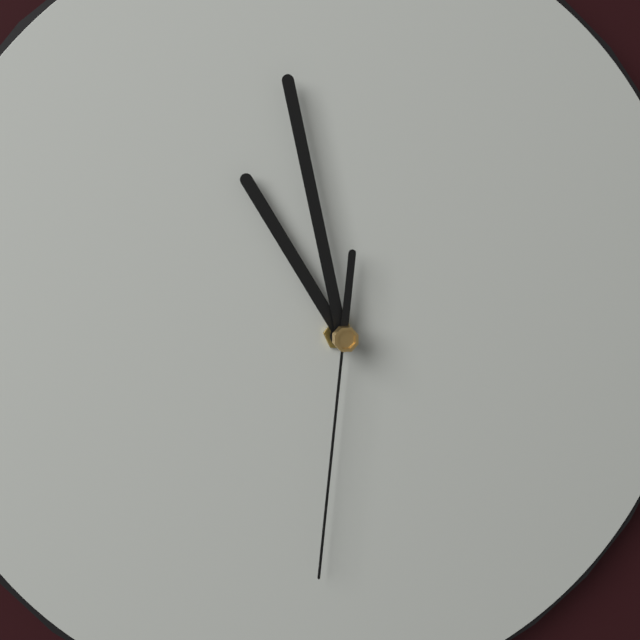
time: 10:58:31
